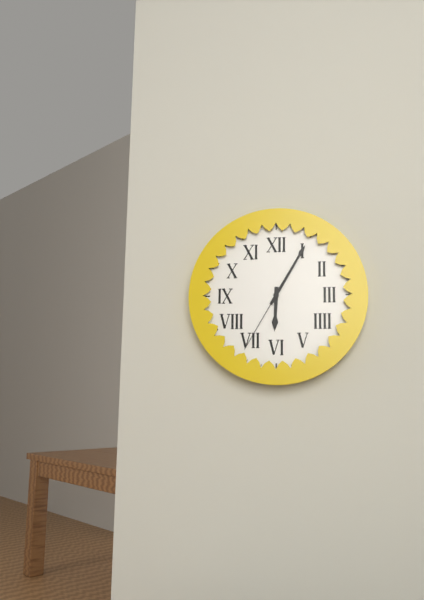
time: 6:05:35
